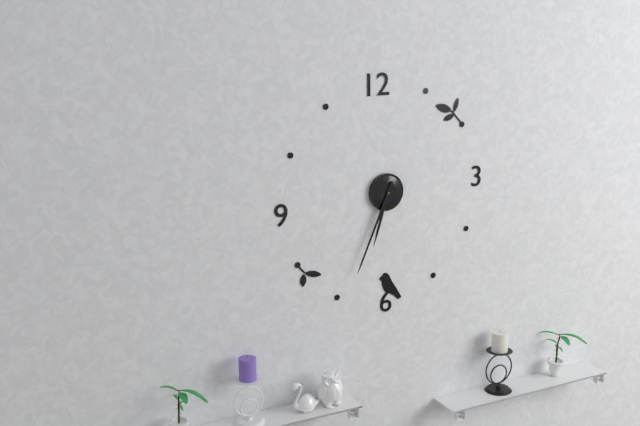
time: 6:34
